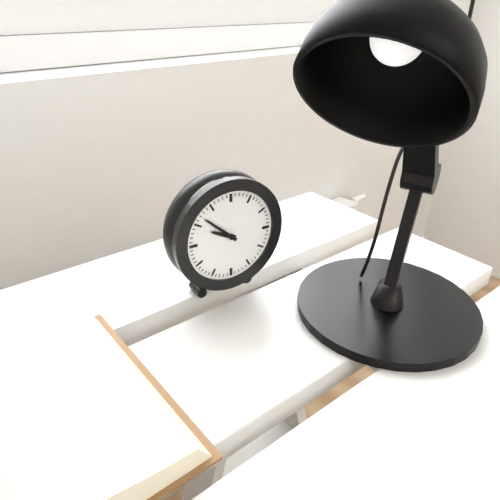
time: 9:52
